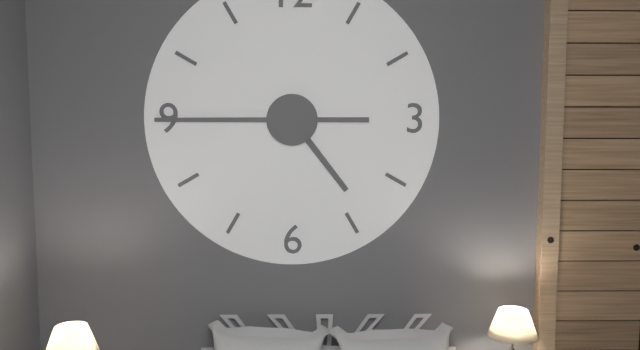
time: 4:45
